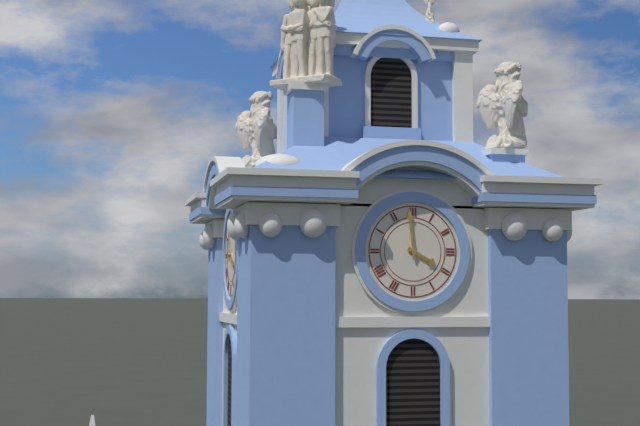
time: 3:59
